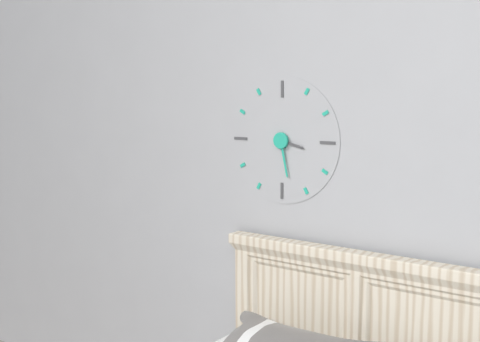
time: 3:28
